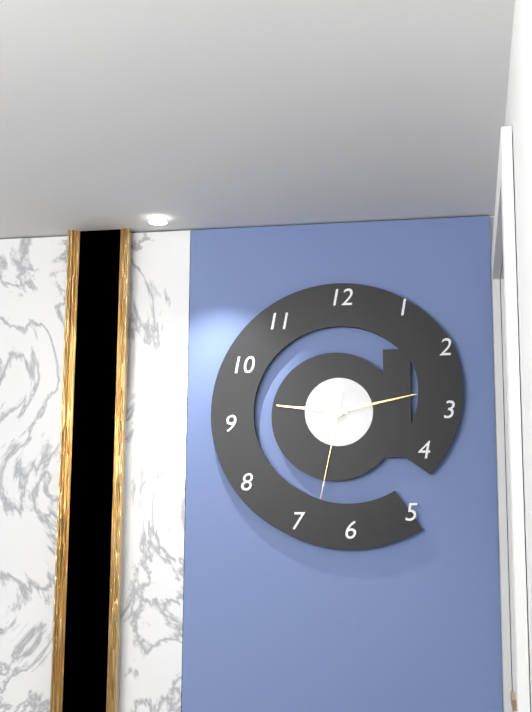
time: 9:13:32
